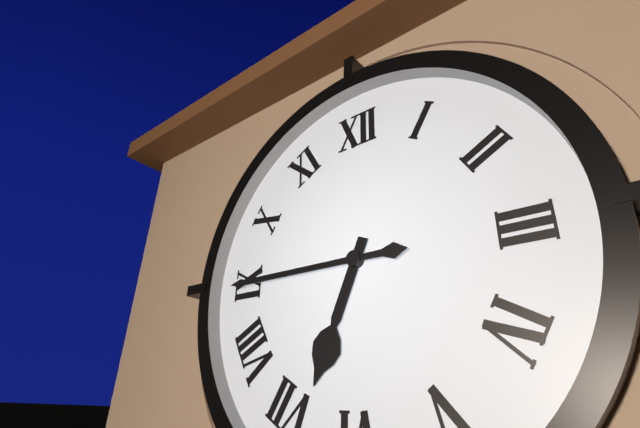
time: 6:45
